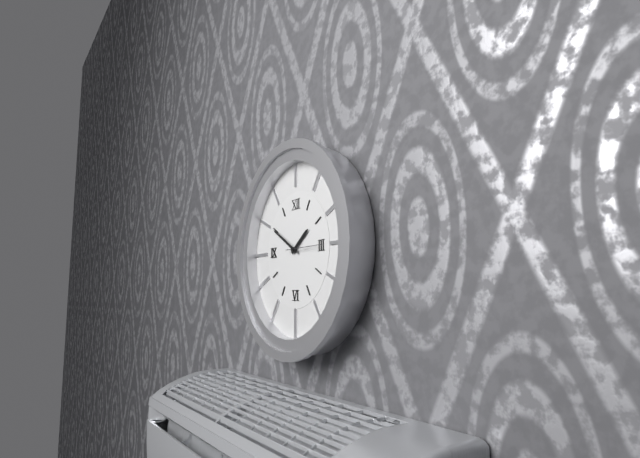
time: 1:50
